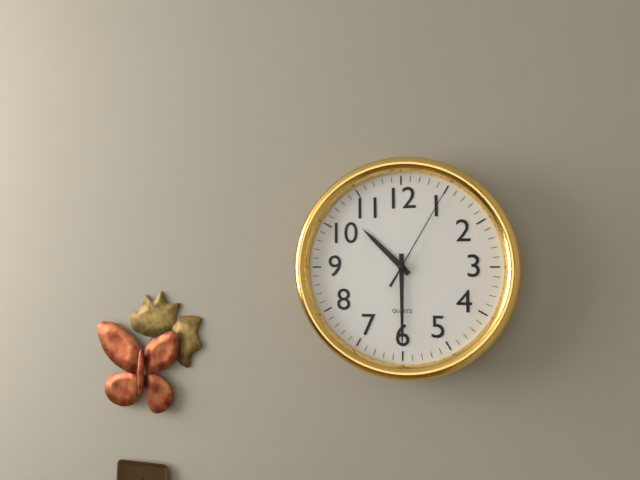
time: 10:30:05
